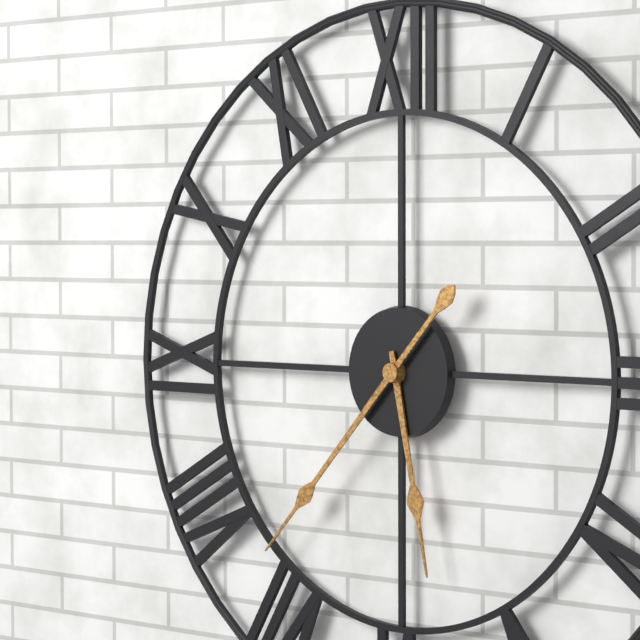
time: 5:37
